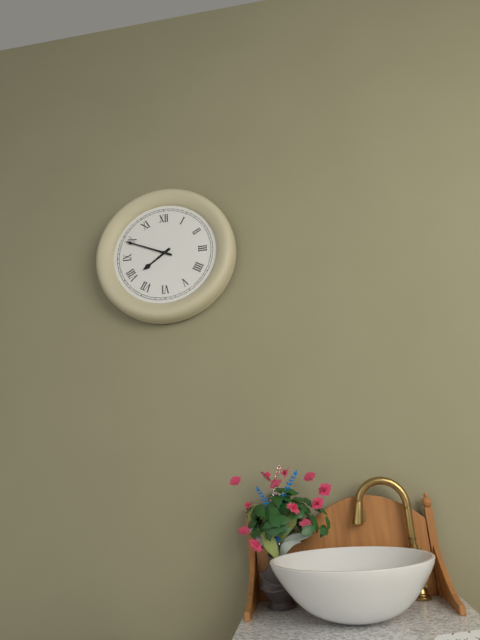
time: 7:49
